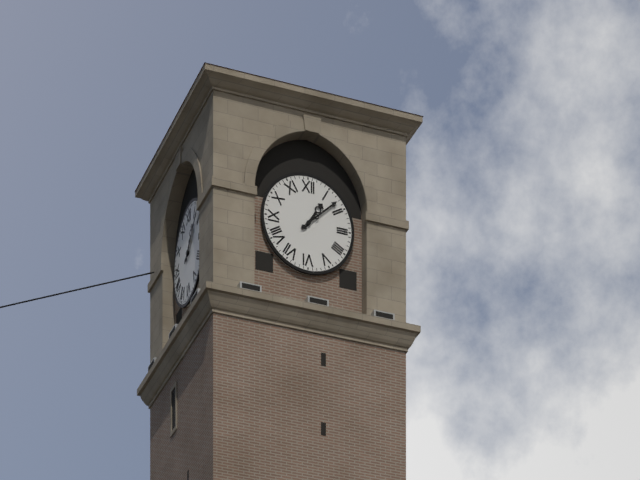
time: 1:08
